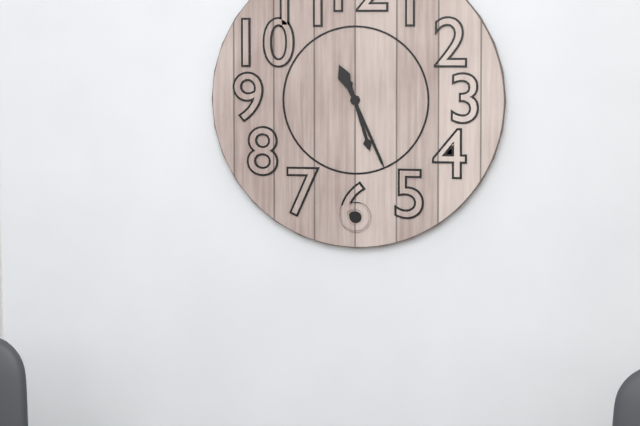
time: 5:26
